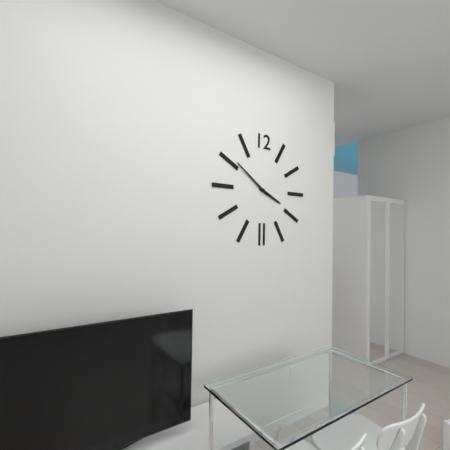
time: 3:51
